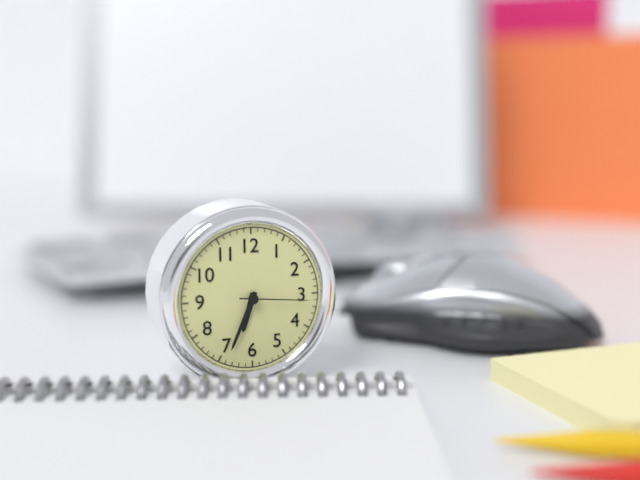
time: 6:34:16
